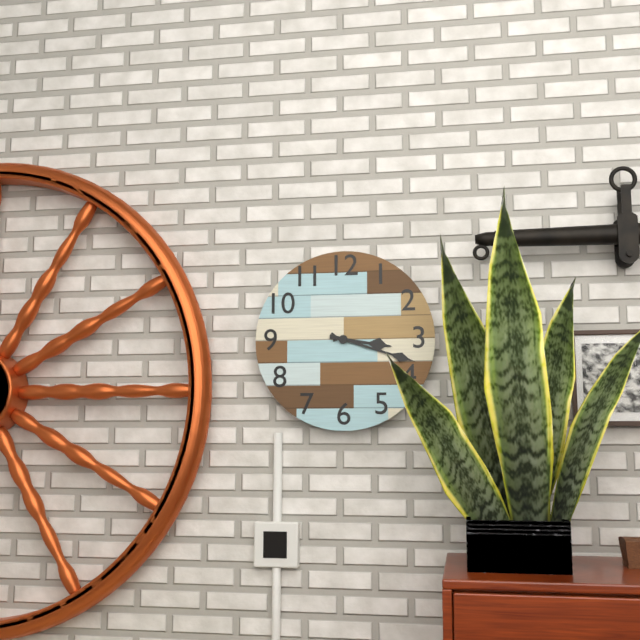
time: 3:18
